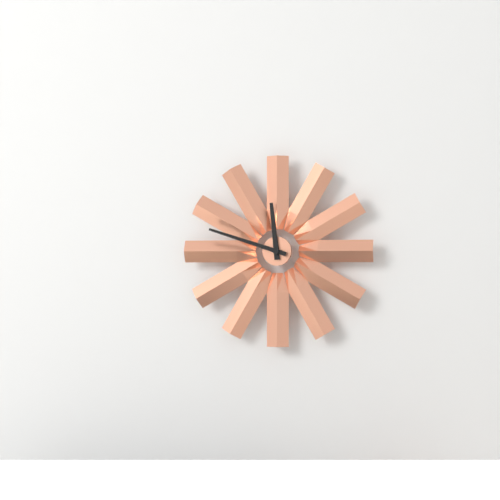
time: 11:48
